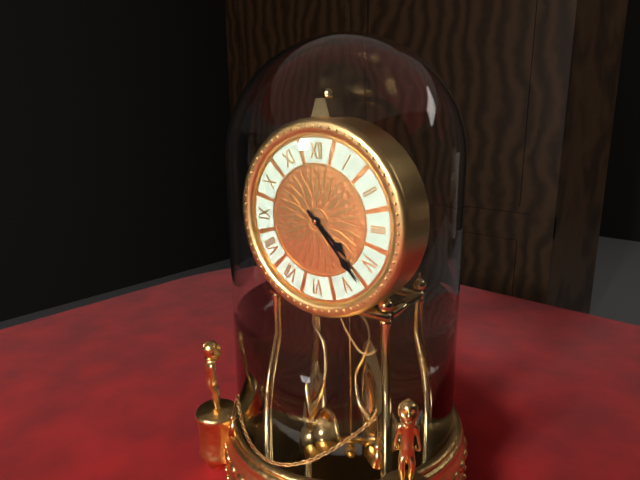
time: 4:23
